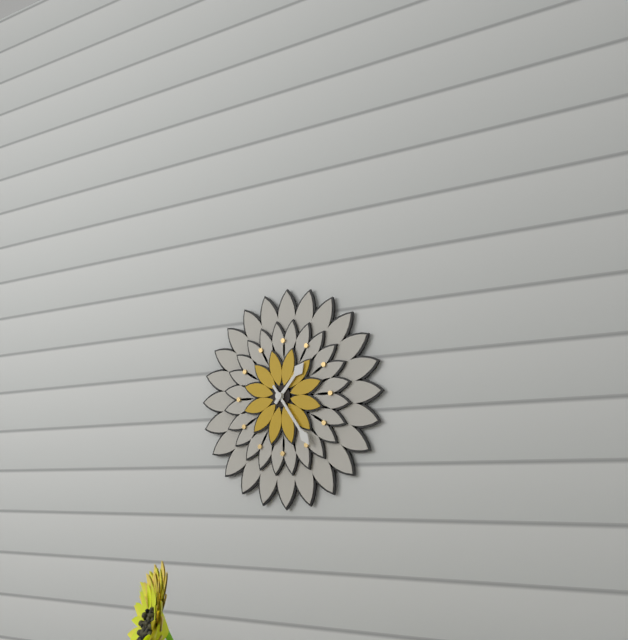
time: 1:24
